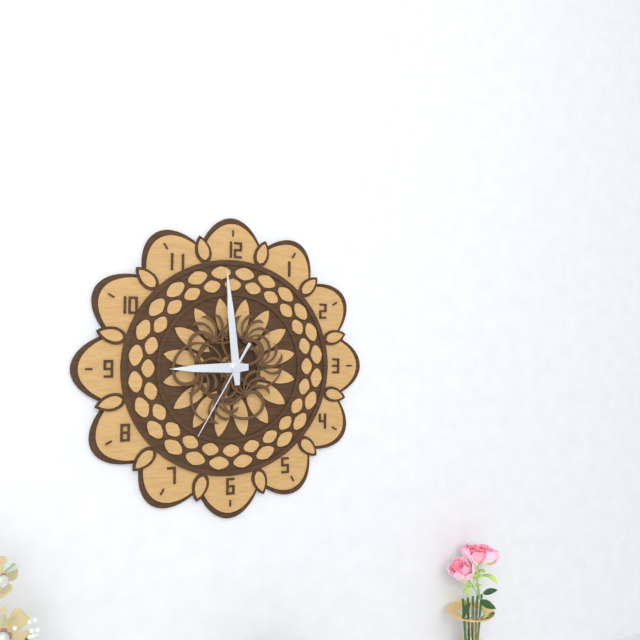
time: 8:59:35
